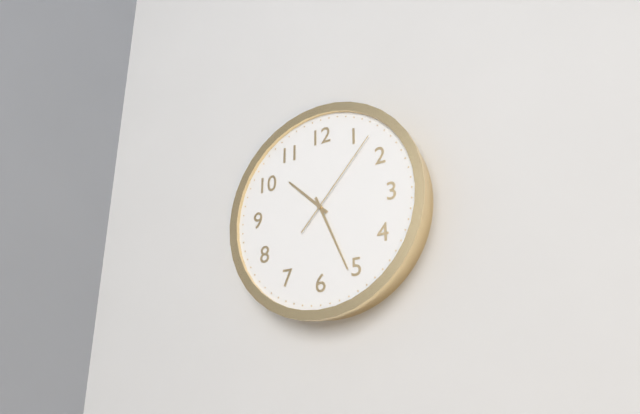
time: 10:26:07
